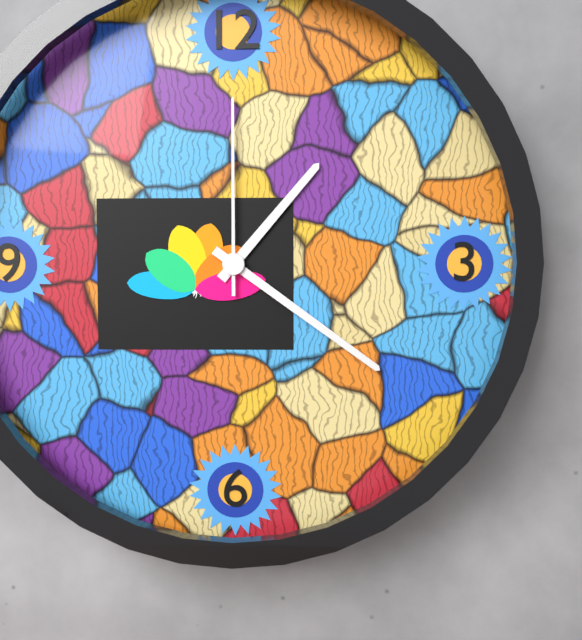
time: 1:21:00
